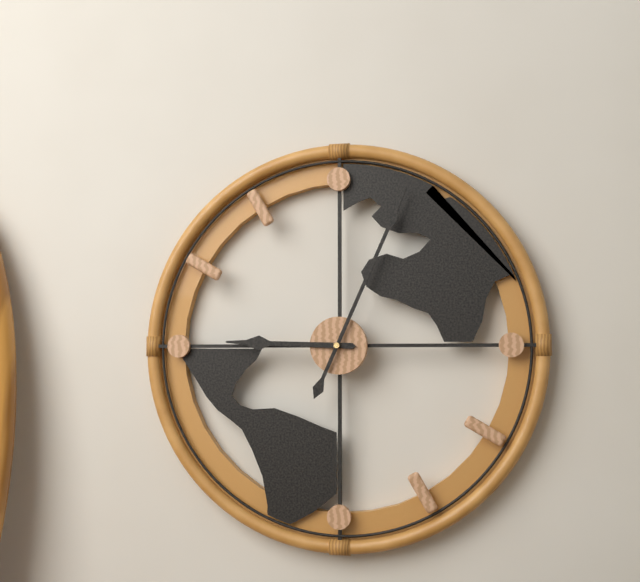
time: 9:04
